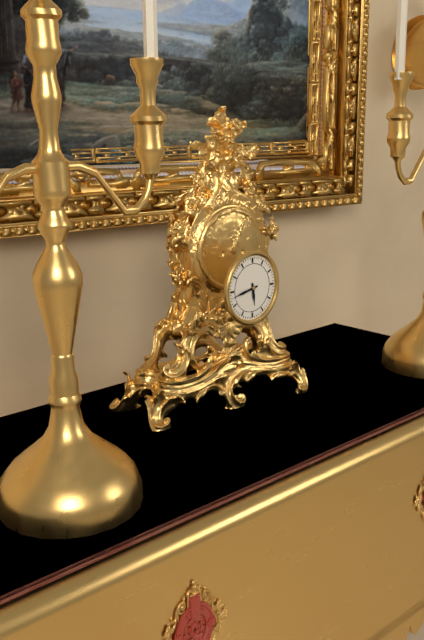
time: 5:43
